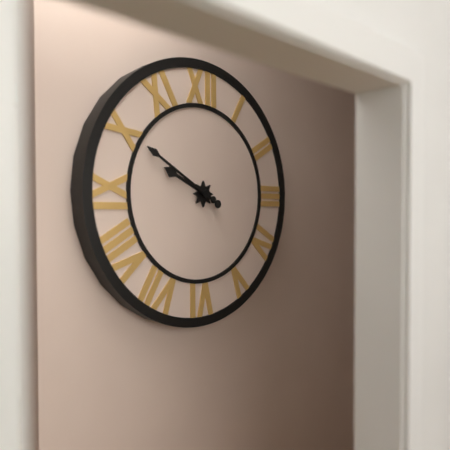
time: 9:50
